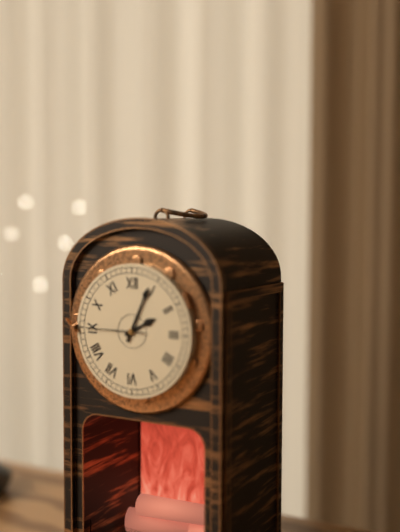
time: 2:04:45
